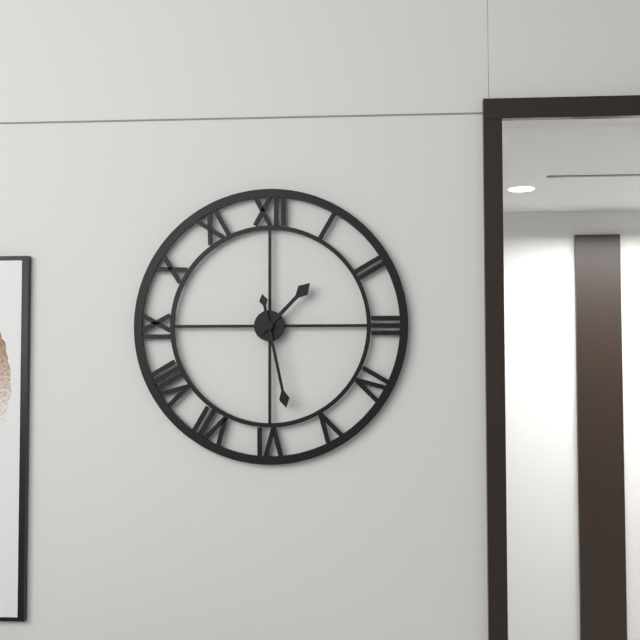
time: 1:28
